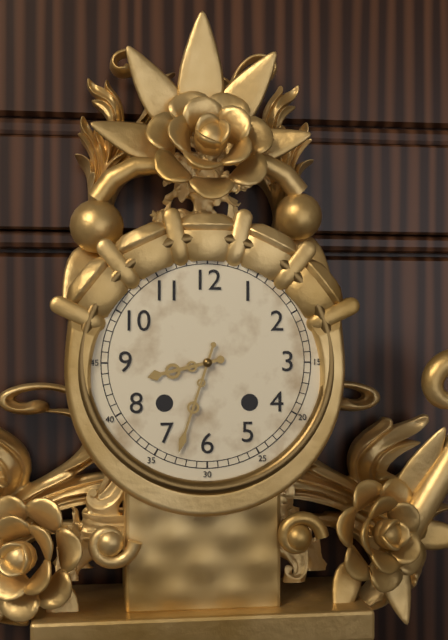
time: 8:33
